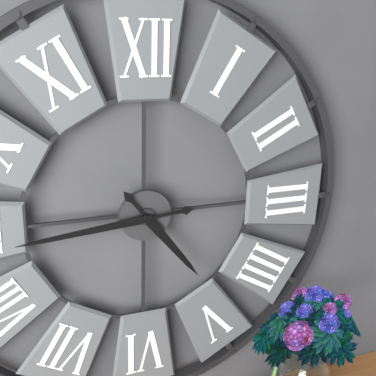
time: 4:44
